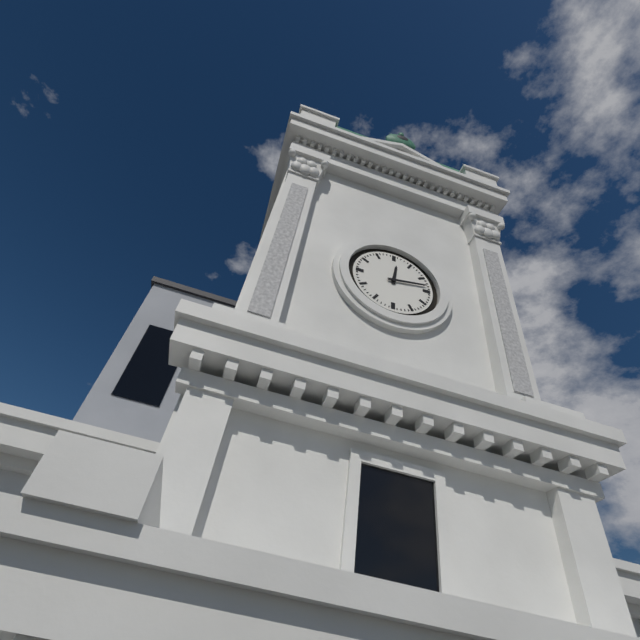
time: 12:13
